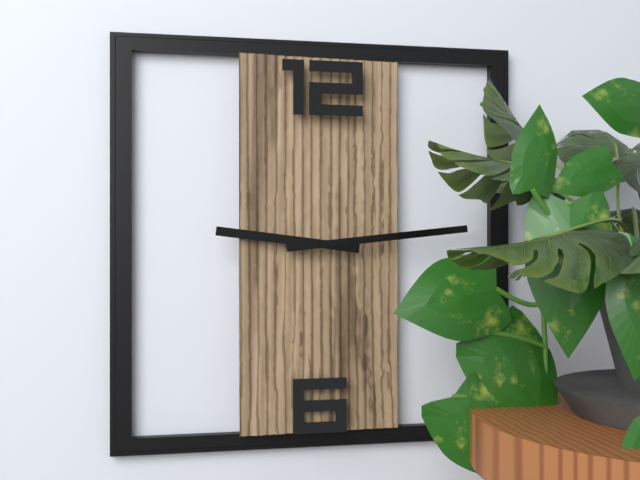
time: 9:14
